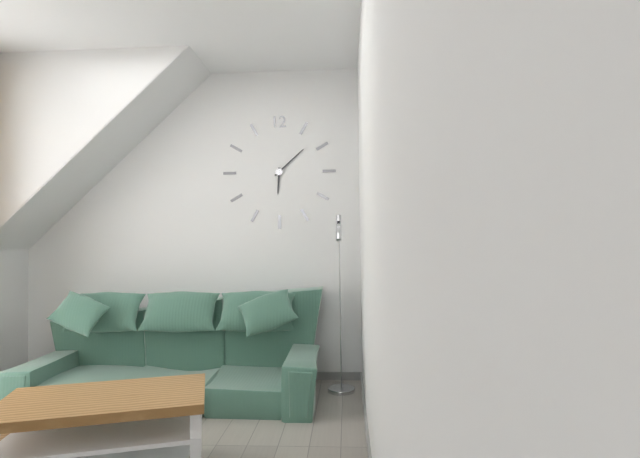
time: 6:08
